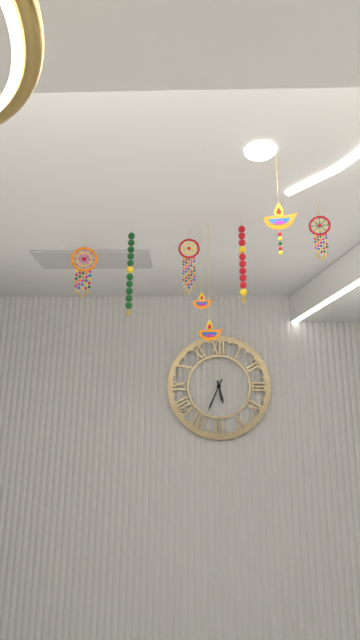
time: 5:34
